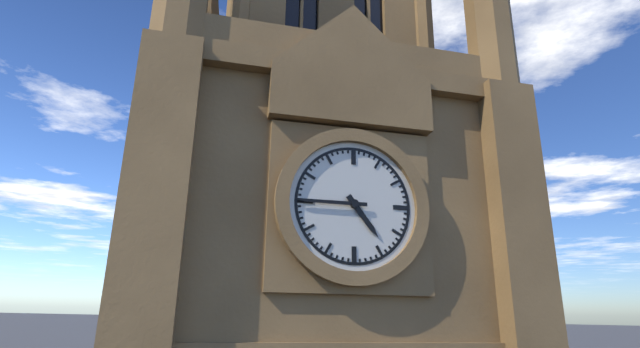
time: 4:45
